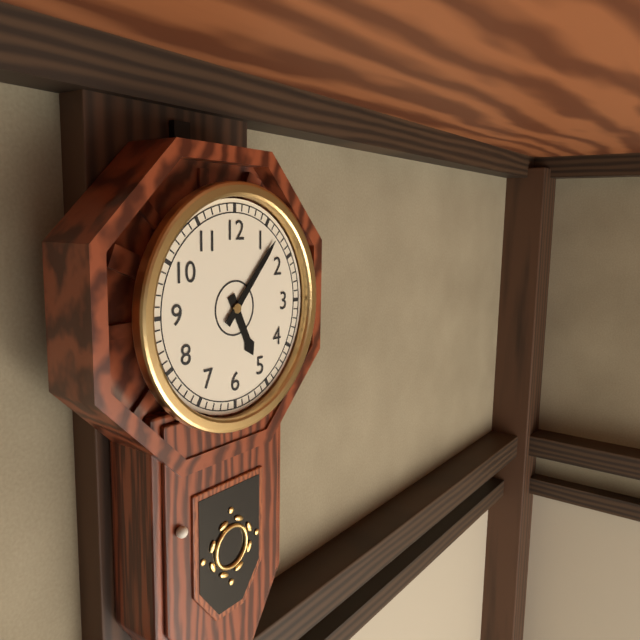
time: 5:07
